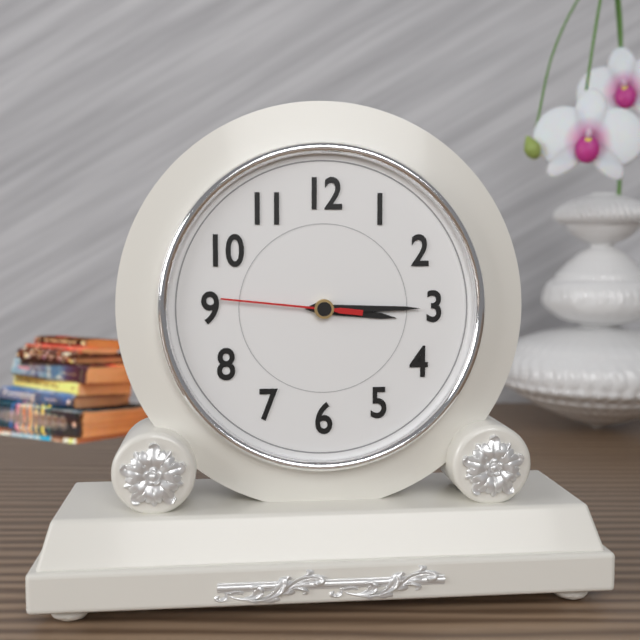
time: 3:15:46
